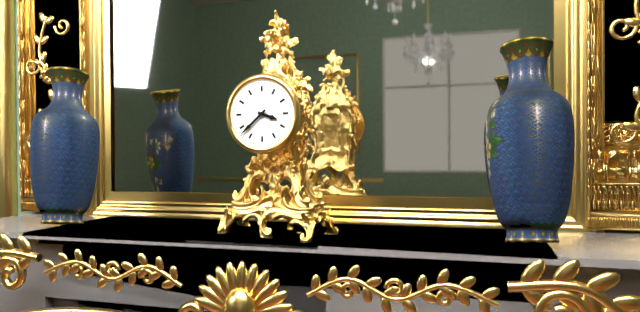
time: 3:38
